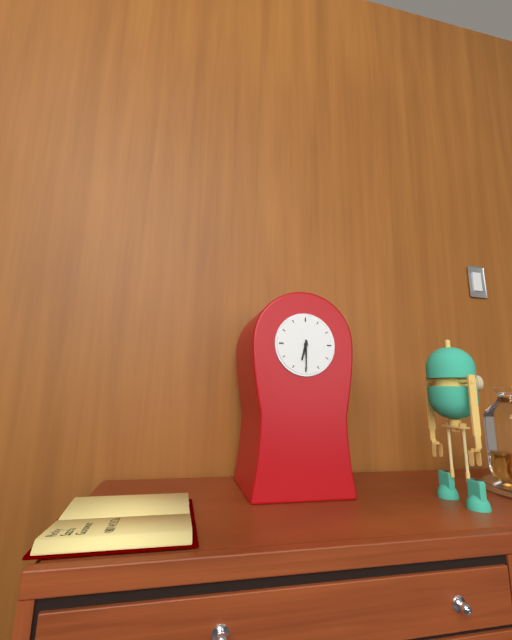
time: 6:30
